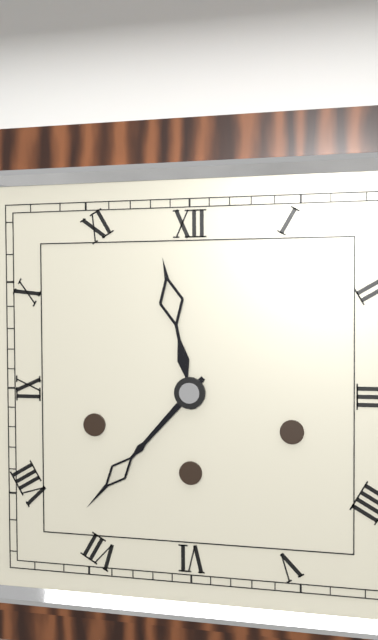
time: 11:37
